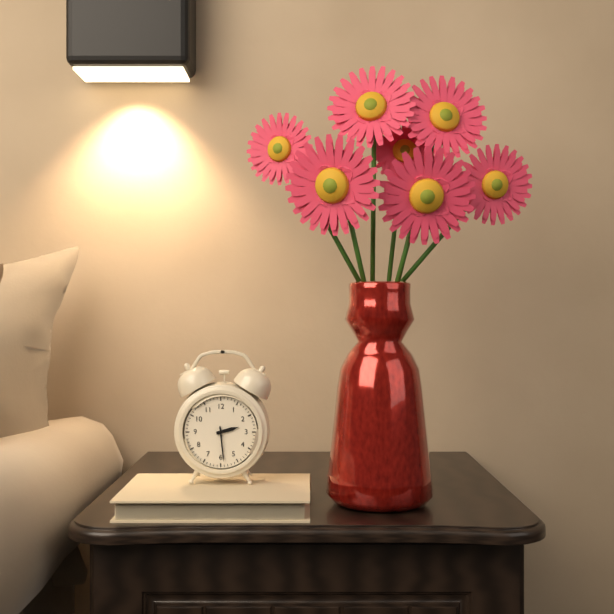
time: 2:29
